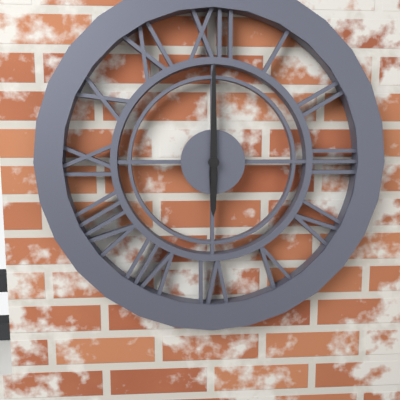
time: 6:00
